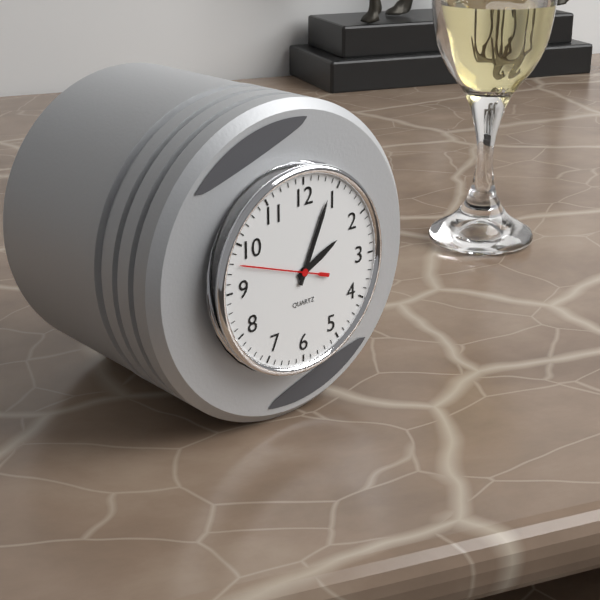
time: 2:04:48
